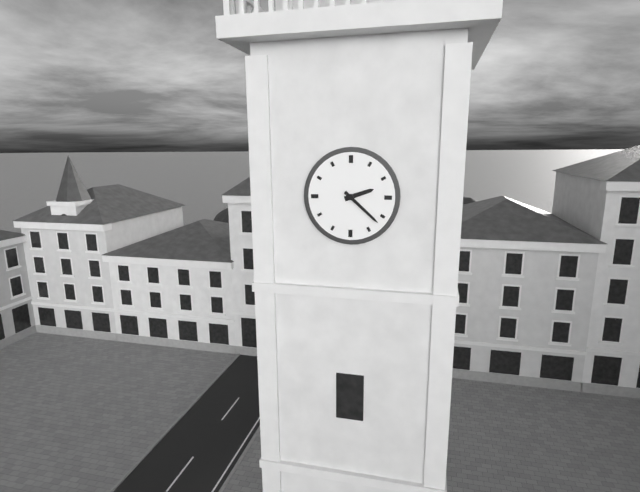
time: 2:22
